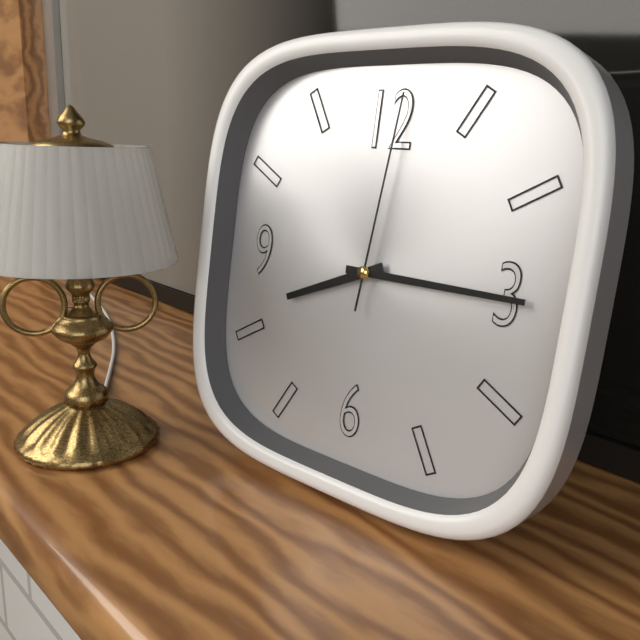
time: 8:15:01
